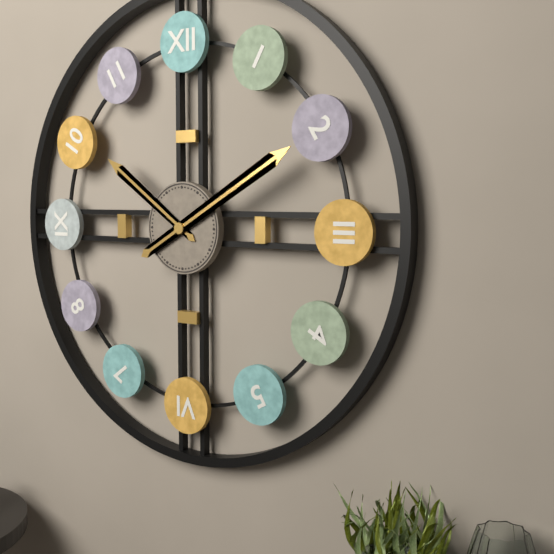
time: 10:10
